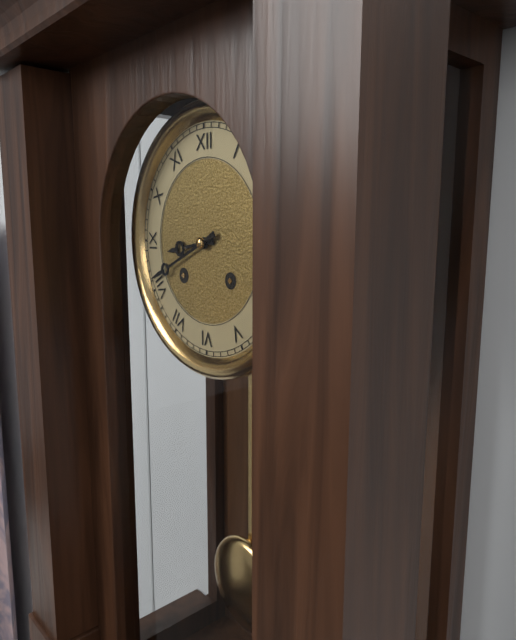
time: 8:41
